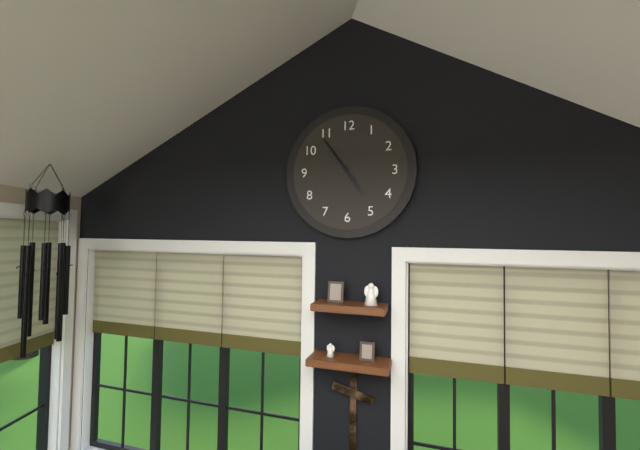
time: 4:54
